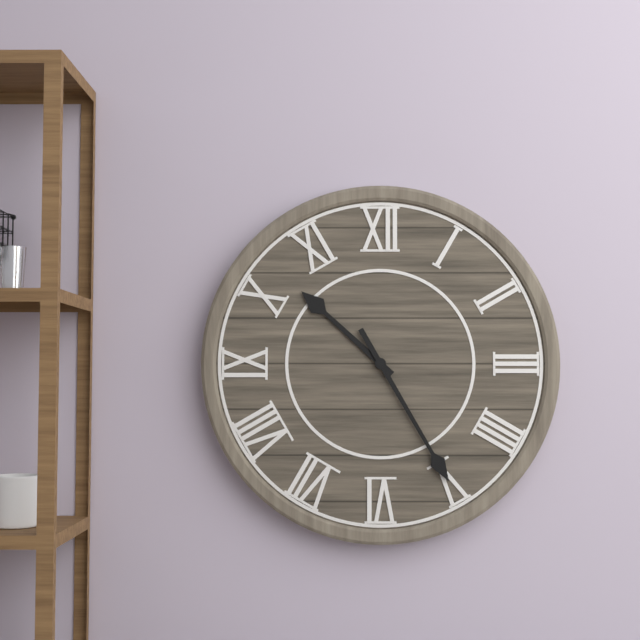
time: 10:25
